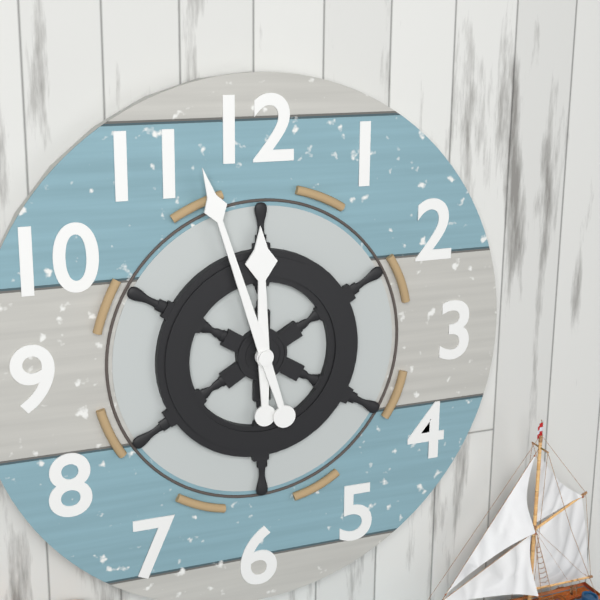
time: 11:57
